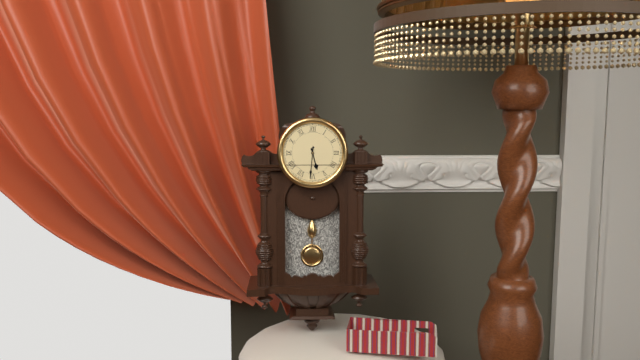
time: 5:31
